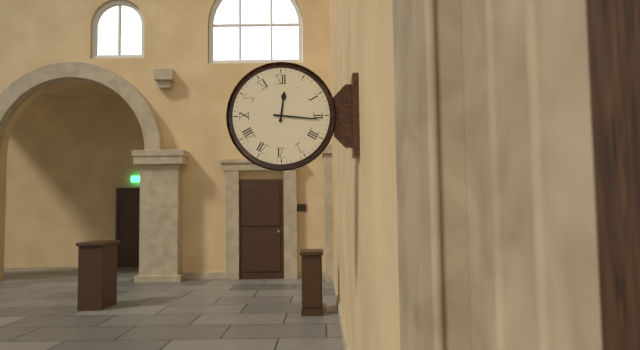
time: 12:16
